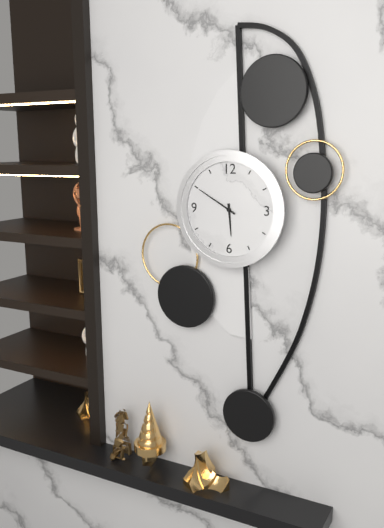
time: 5:50
